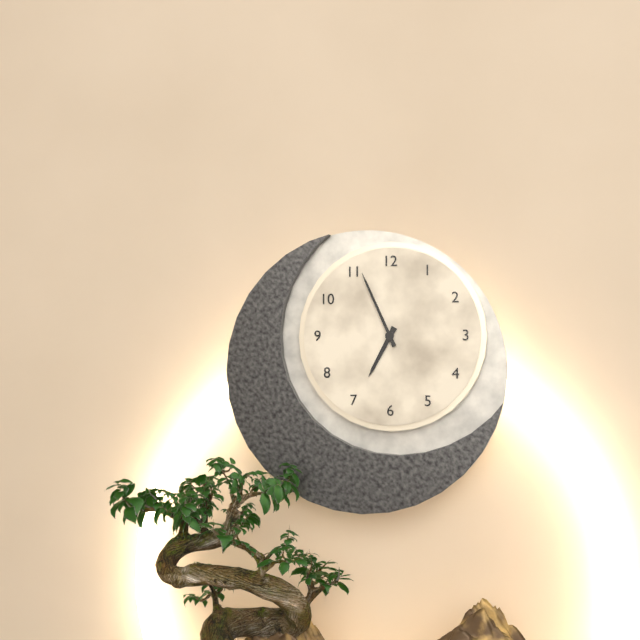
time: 6:56
